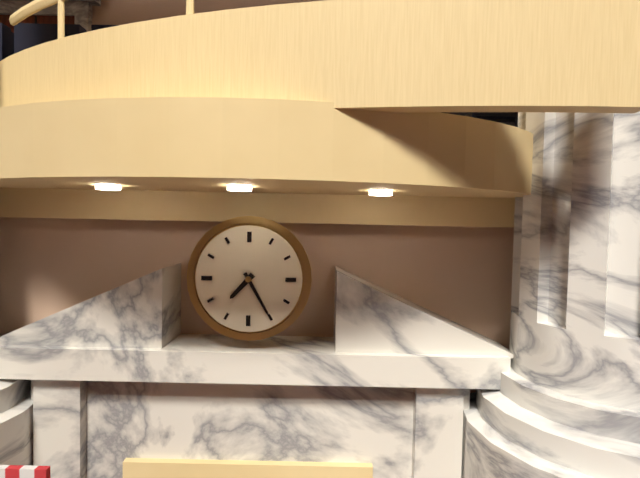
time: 7:25
